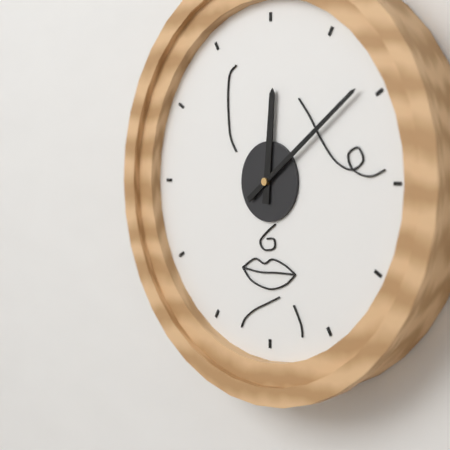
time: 12:09
